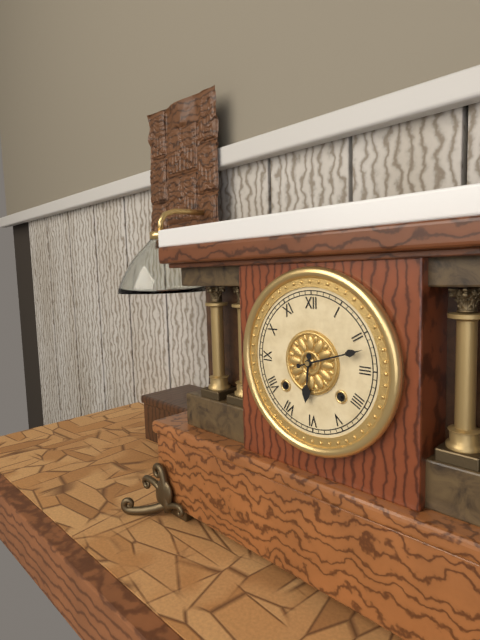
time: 6:12
